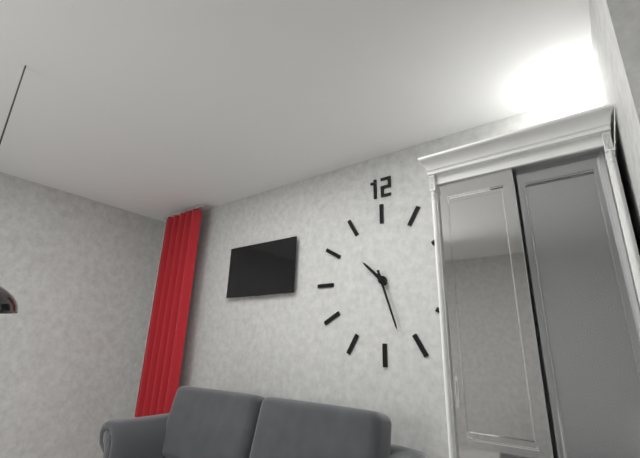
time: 10:27
